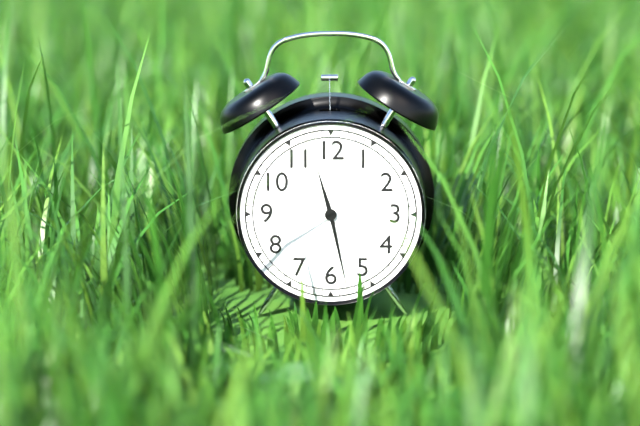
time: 11:28
